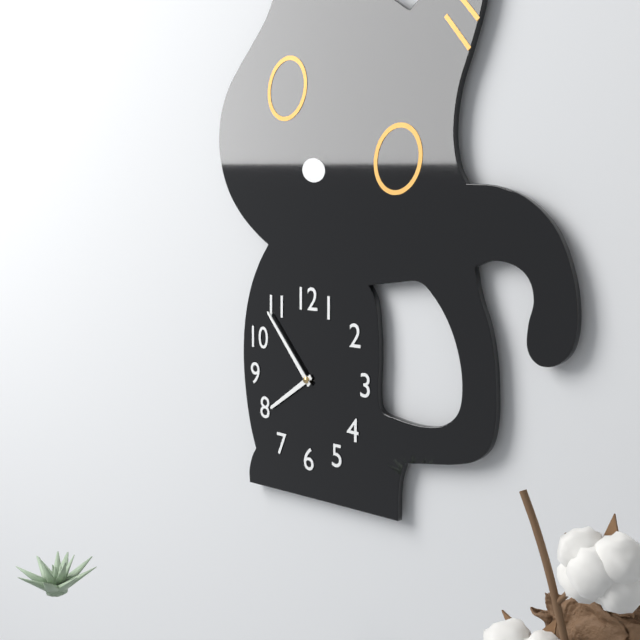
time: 7:53
